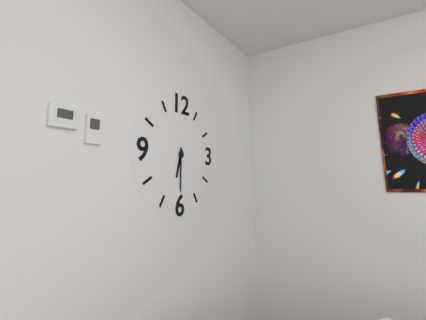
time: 6:30
